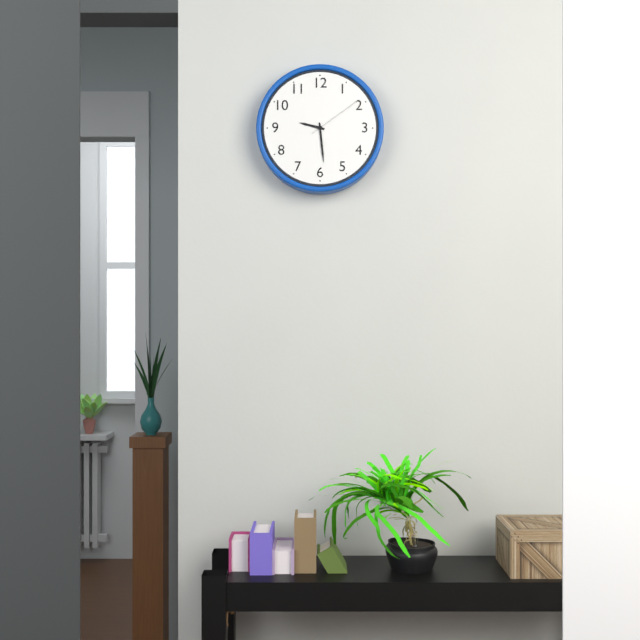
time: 9:29:09
